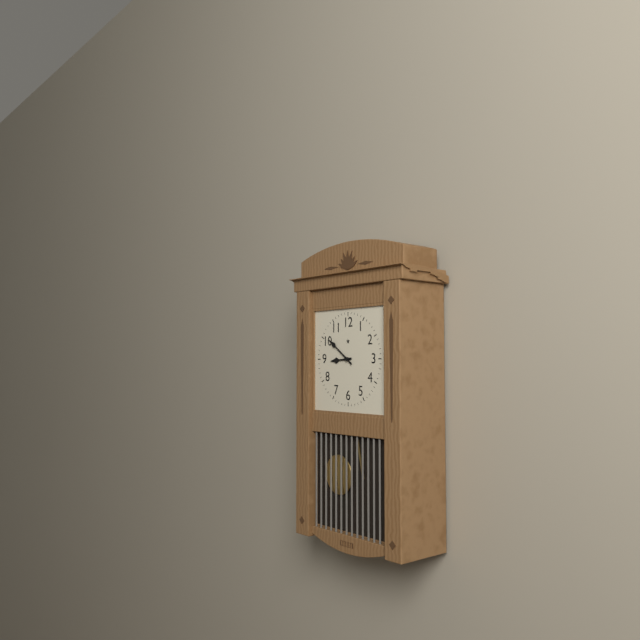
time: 8:51
